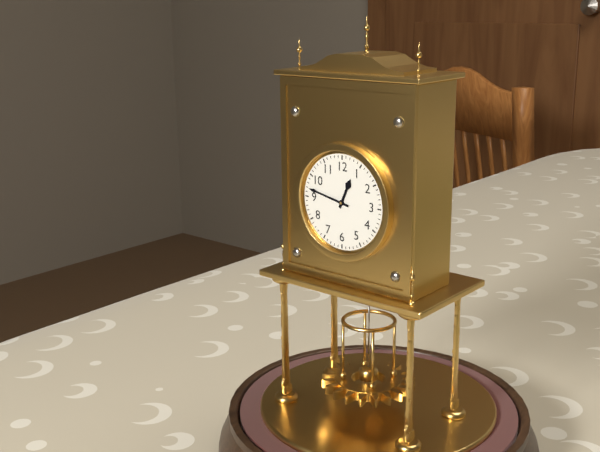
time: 12:47
